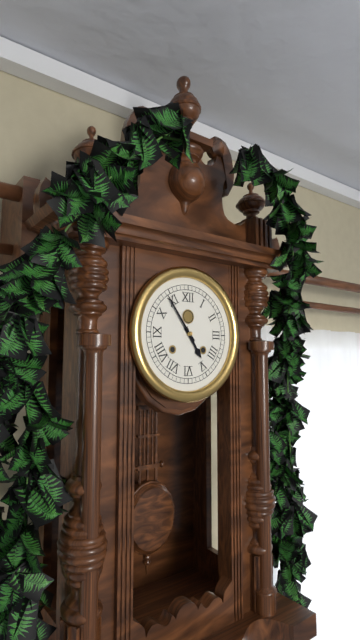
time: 4:54
